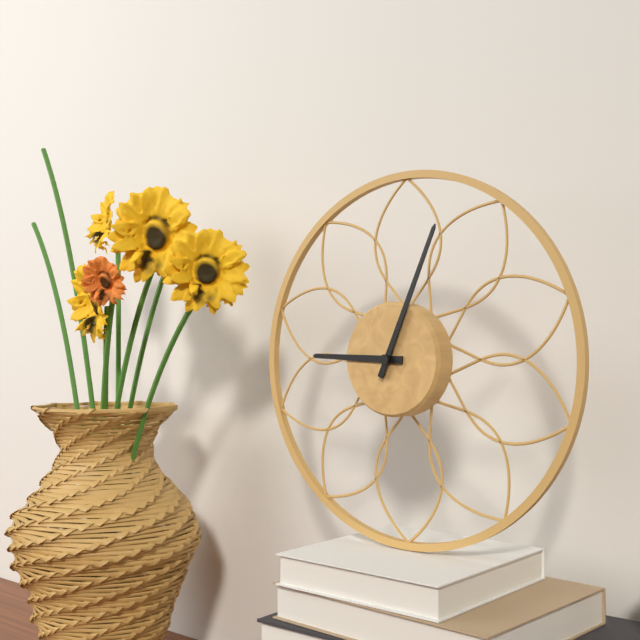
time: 9:04
